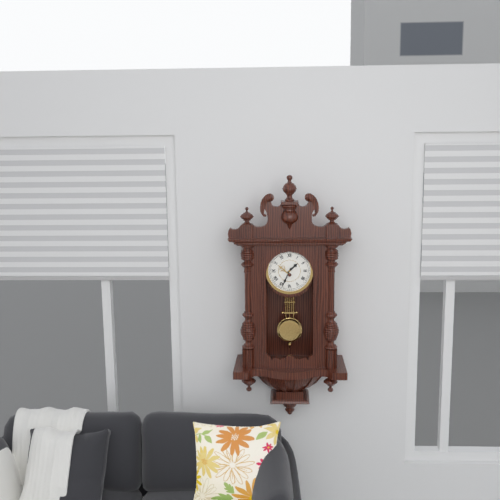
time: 1:34
